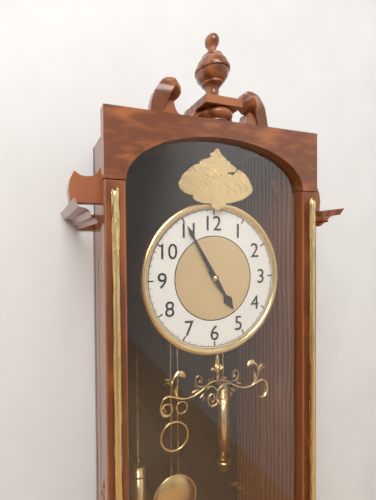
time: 4:55
